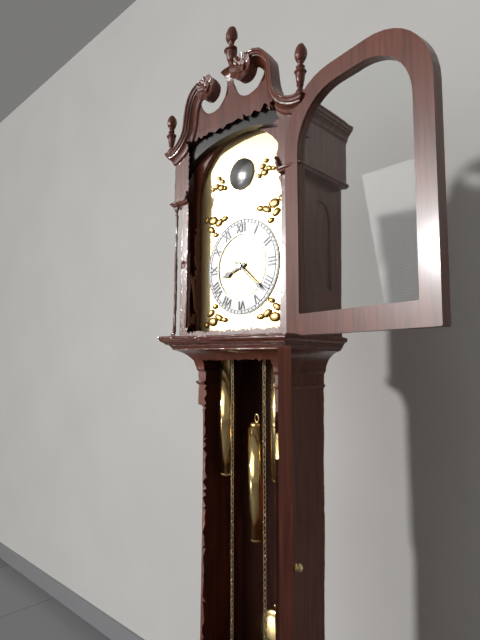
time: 8:22
